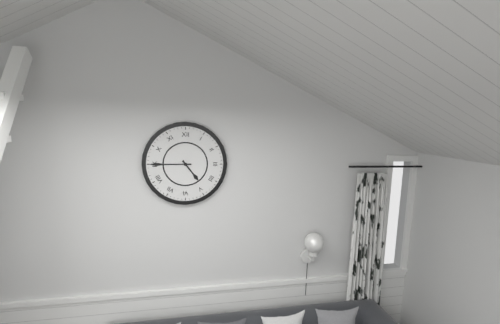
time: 4:45
